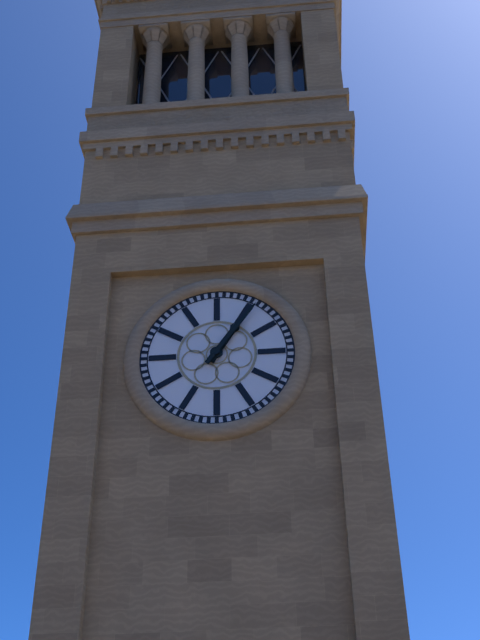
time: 1:06
